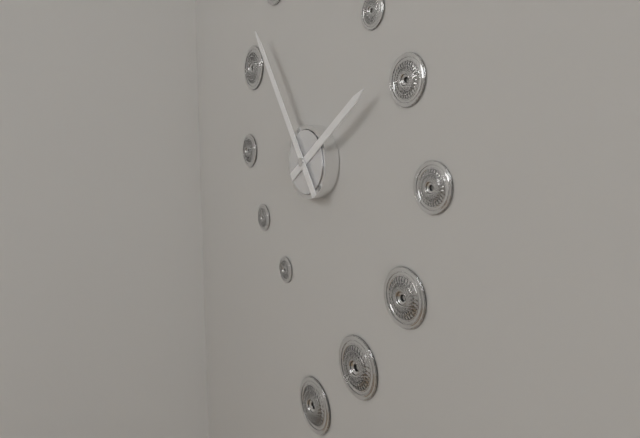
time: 1:54
